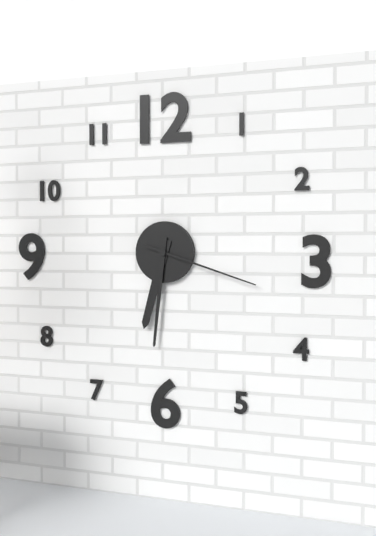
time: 6:31:18
